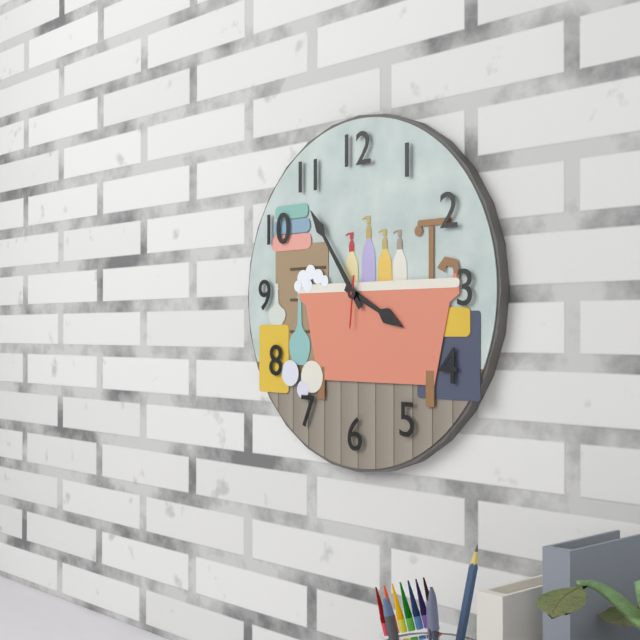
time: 3:54
